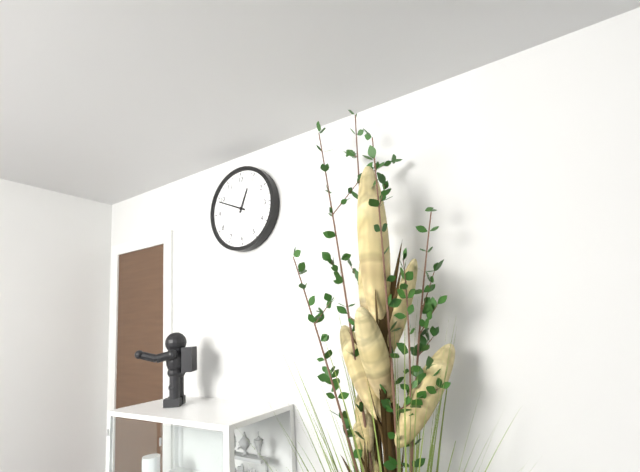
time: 12:49
